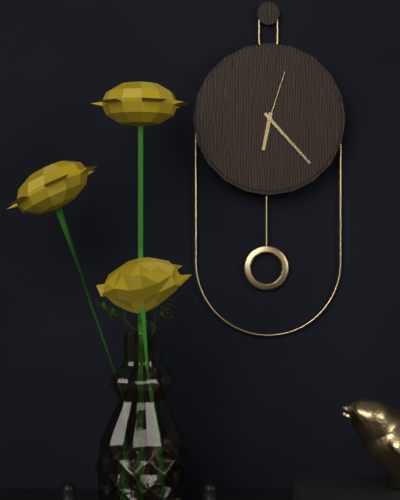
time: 6:23:03
